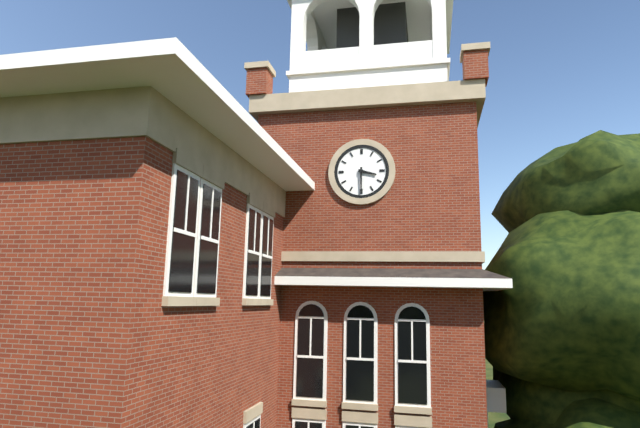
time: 3:30
